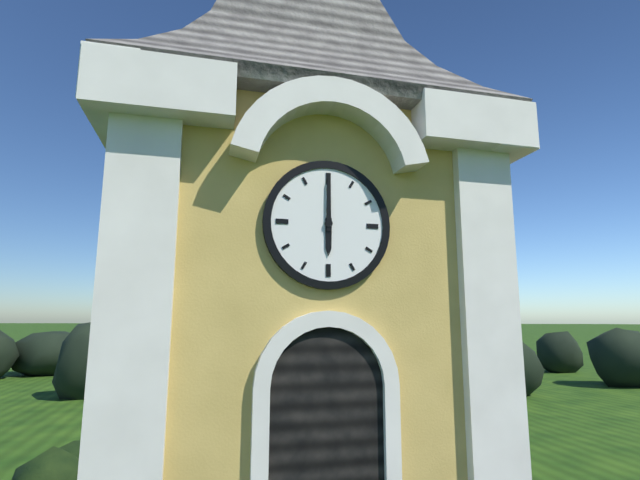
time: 6:00
